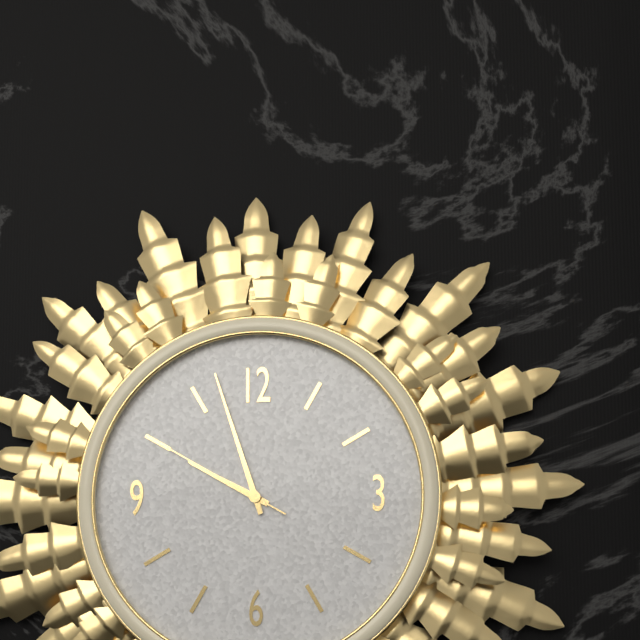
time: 9:57:50
